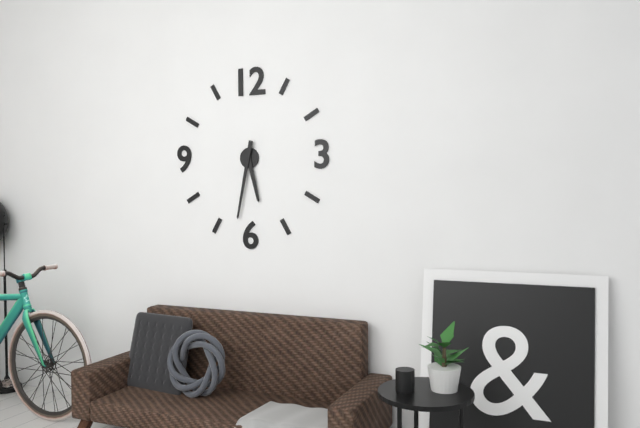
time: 5:32
